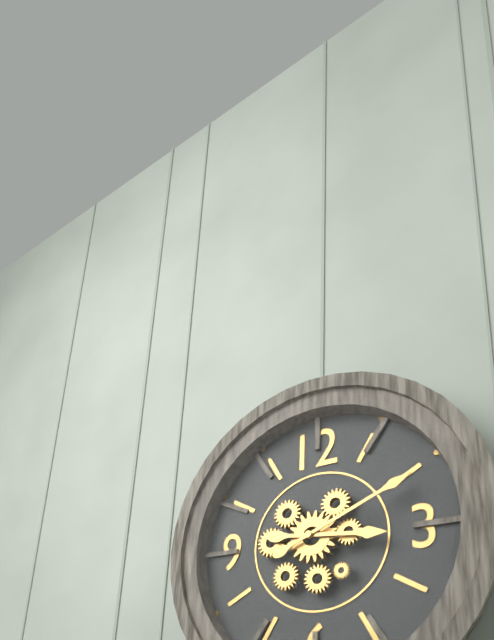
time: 3:11
